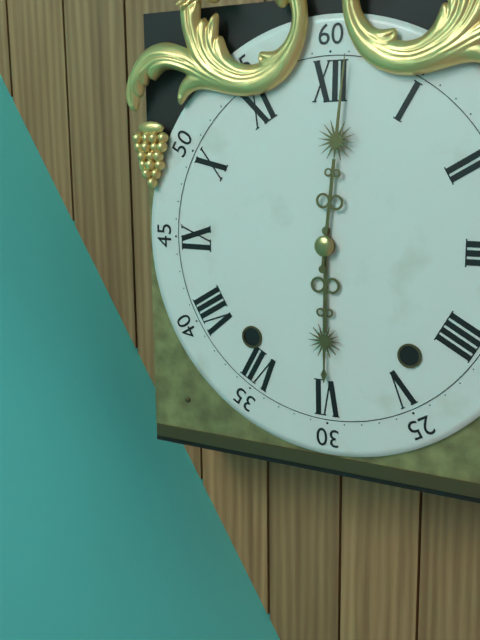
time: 6:01
